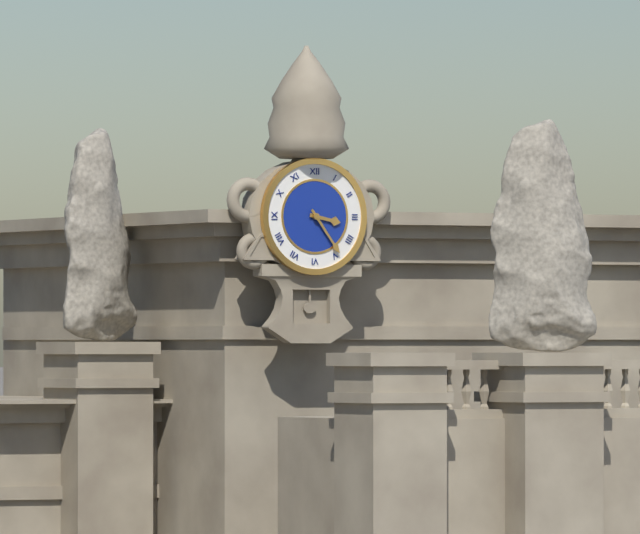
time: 3:24
